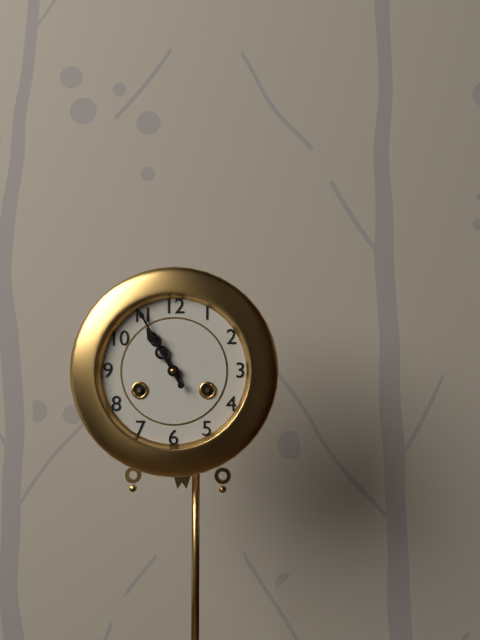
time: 10:55
